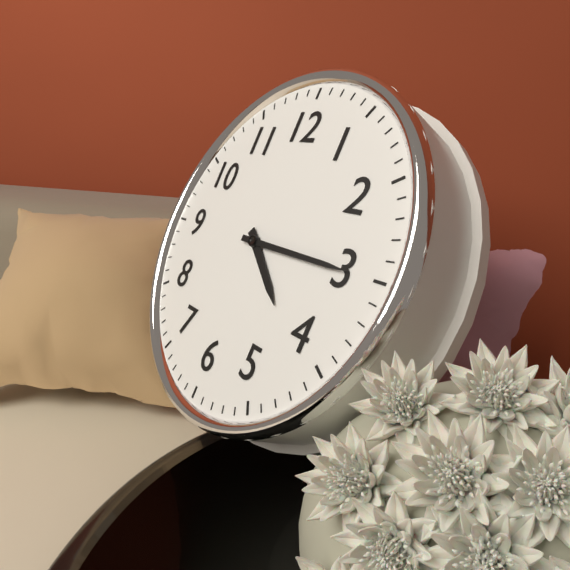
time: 4:15
